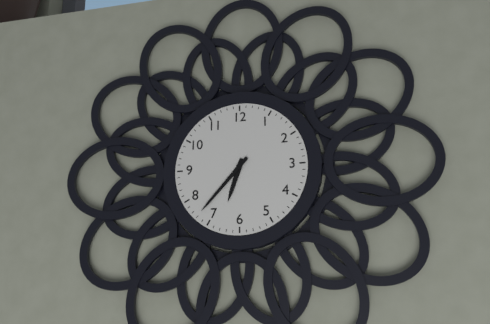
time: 6:37
